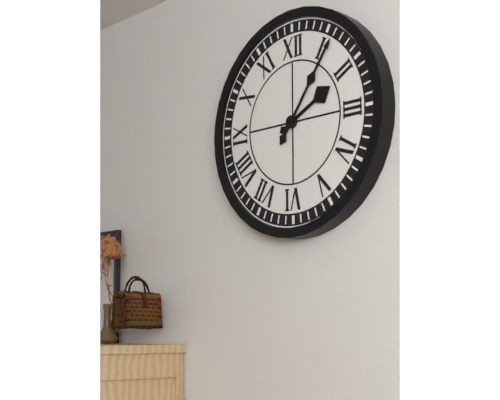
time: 2:06
